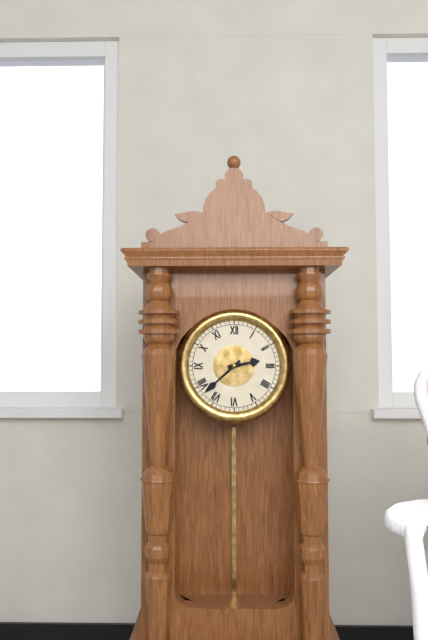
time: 2:38
